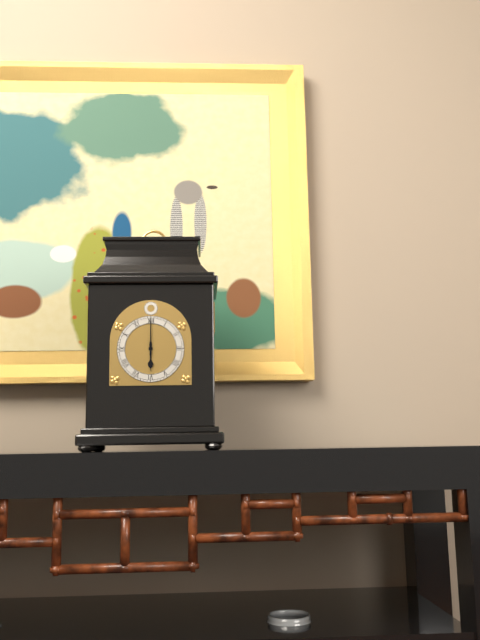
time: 6:00
